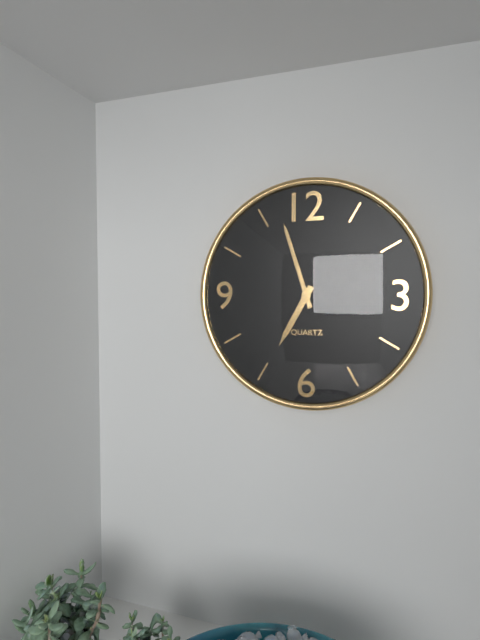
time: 6:57
